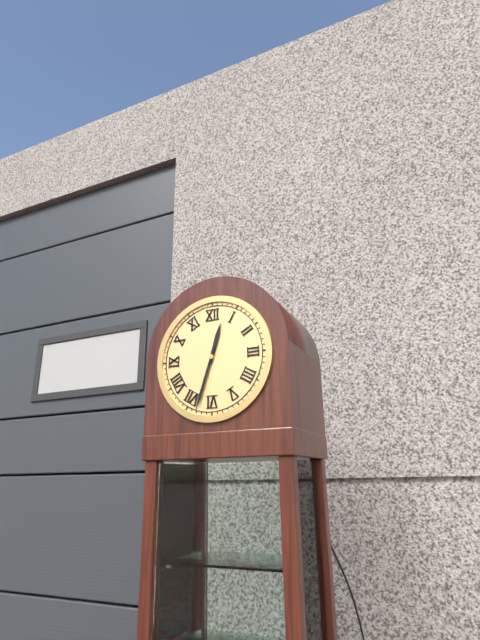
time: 12:33
